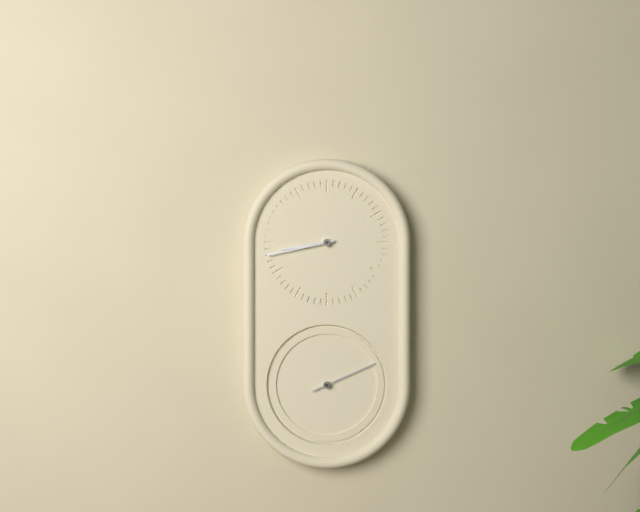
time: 8:43:11
